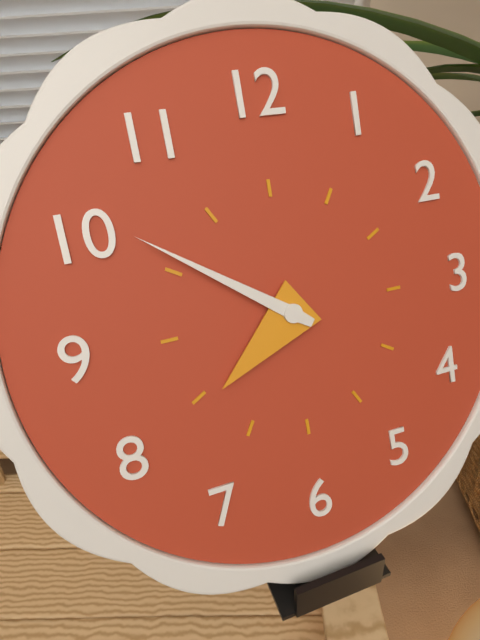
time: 7:51
